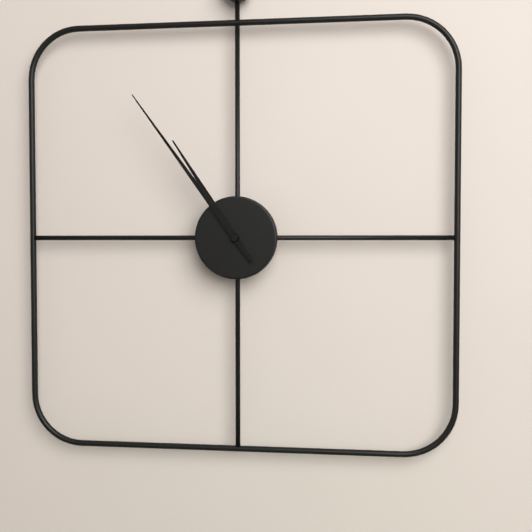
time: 10:54
